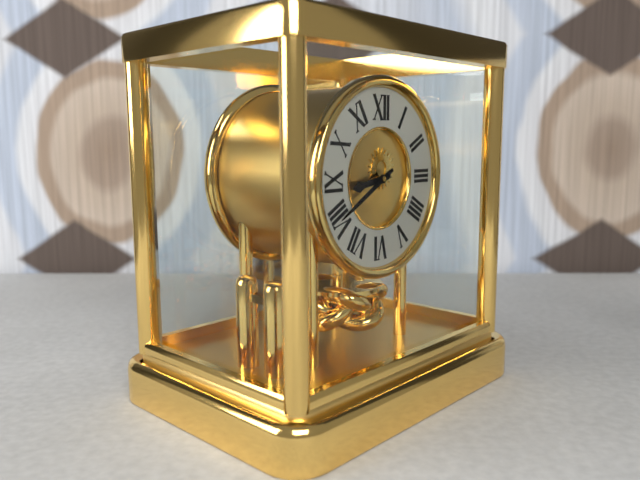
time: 8:40
